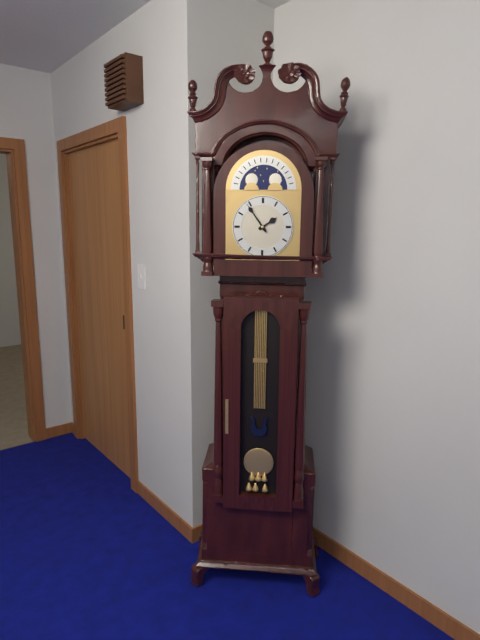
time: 1:54
